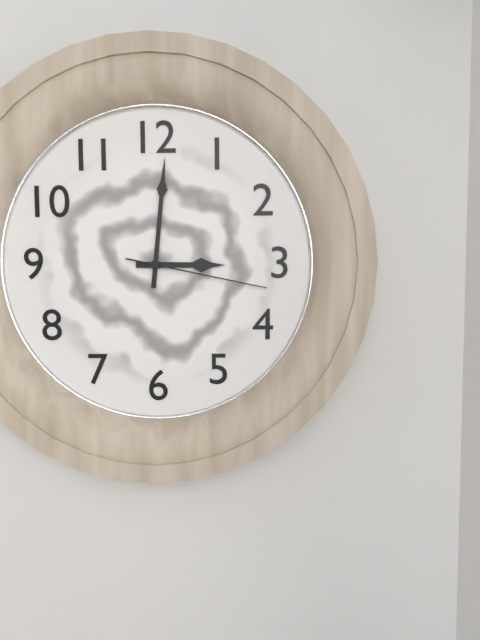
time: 3:01:17
